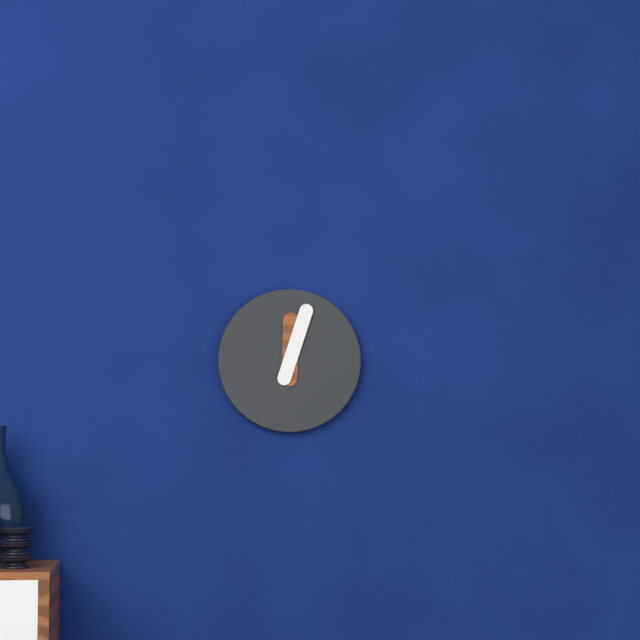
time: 12:03
